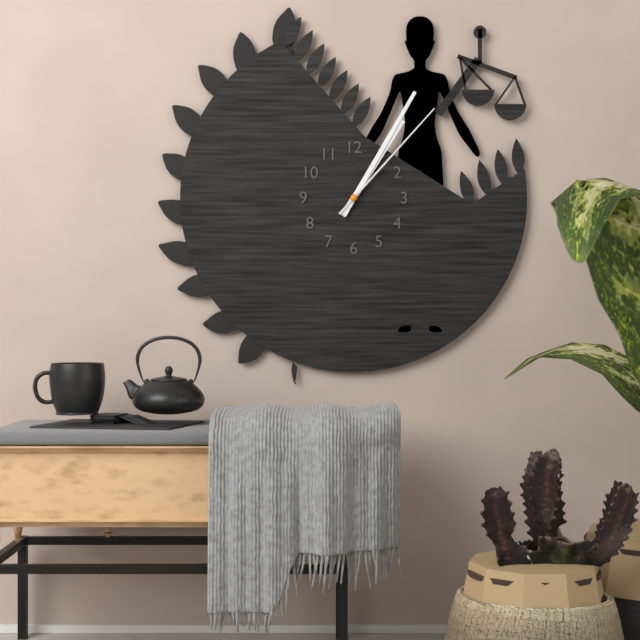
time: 1:05:07
